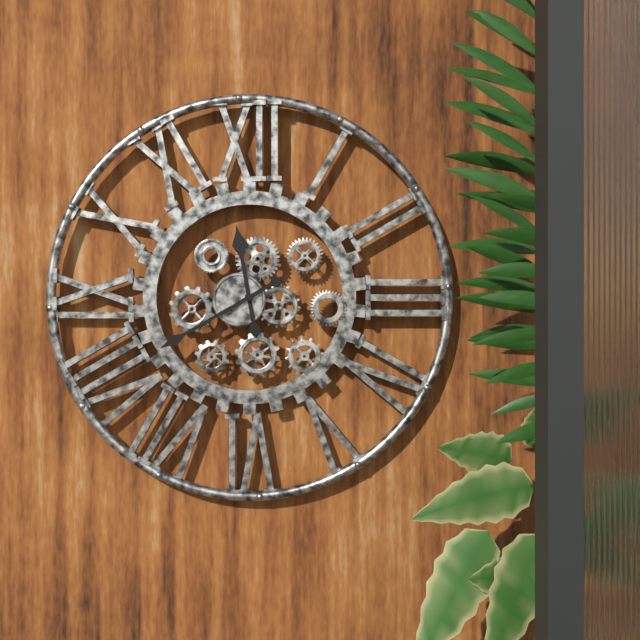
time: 11:40
